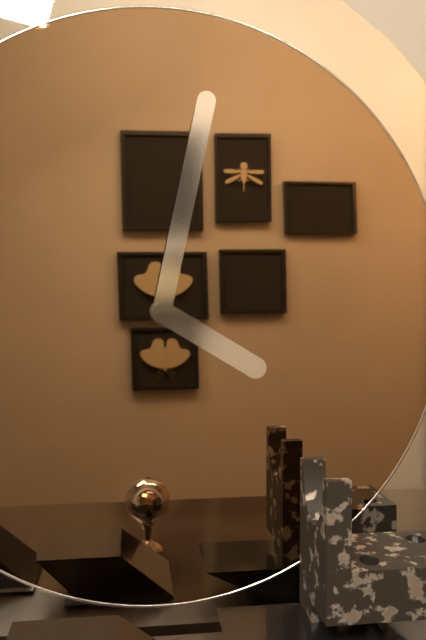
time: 4:02
